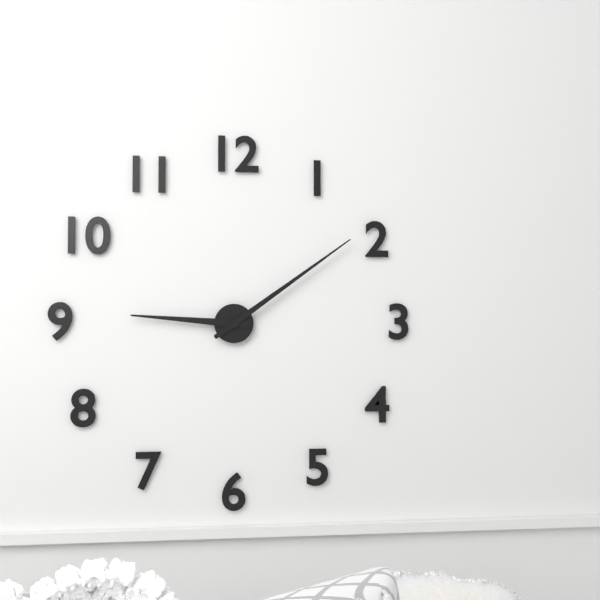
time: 9:09
